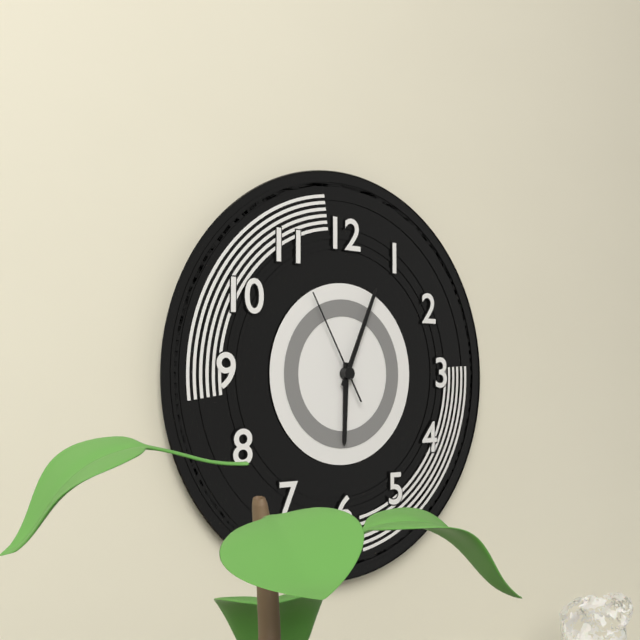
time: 6:04:55
